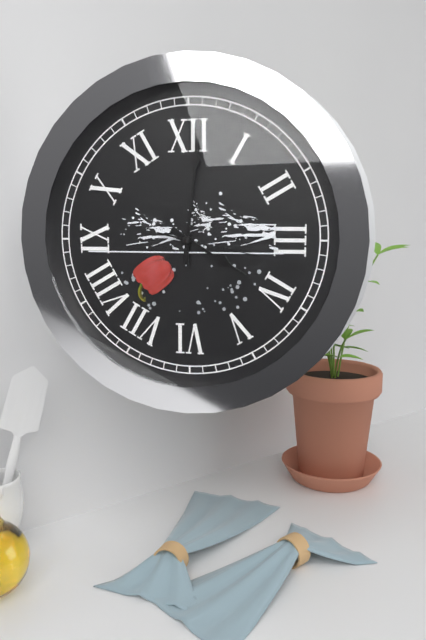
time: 4:01:17
